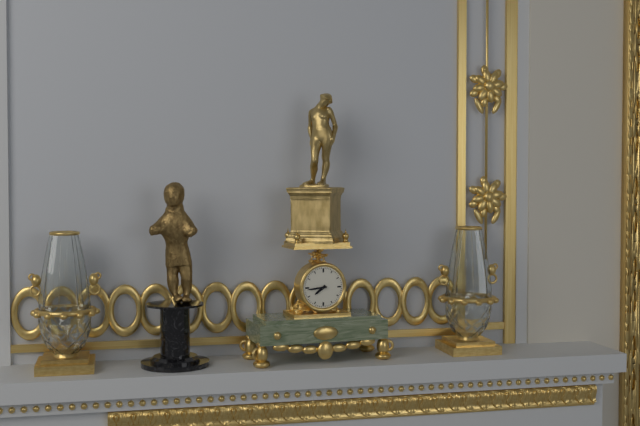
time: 7:44
